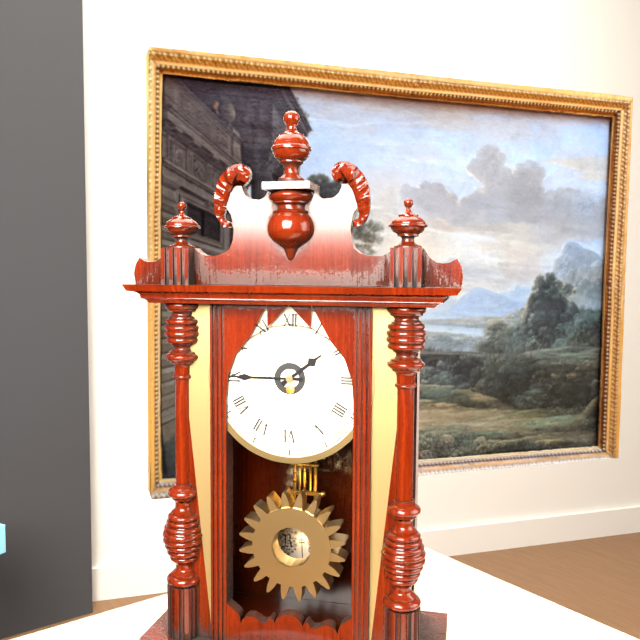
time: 1:45
